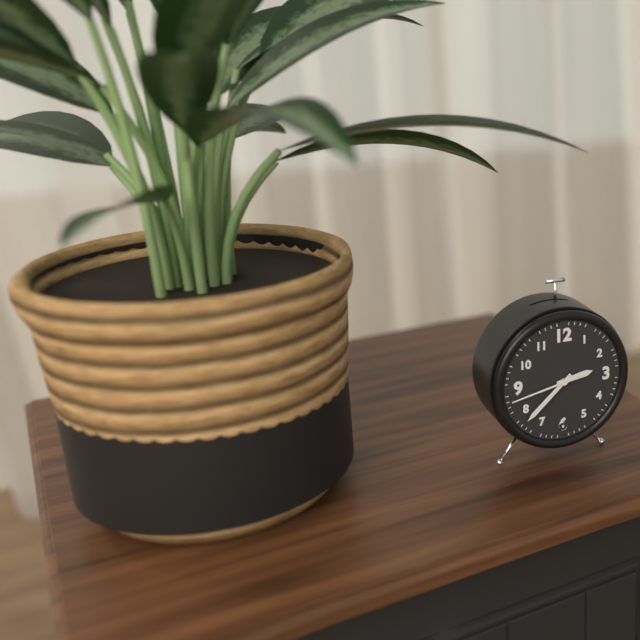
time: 2:38:43
